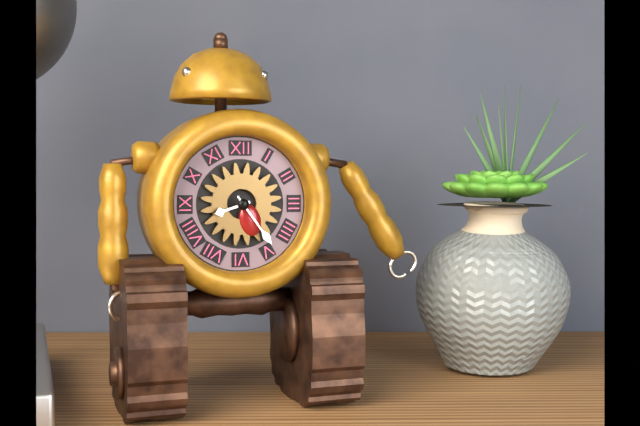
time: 8:24
